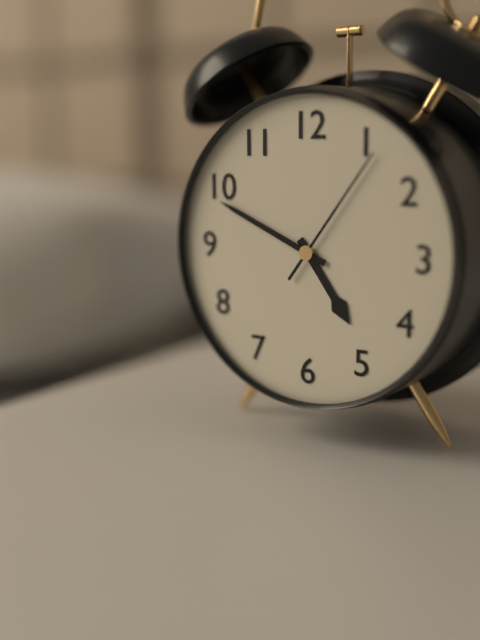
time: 4:49:06
